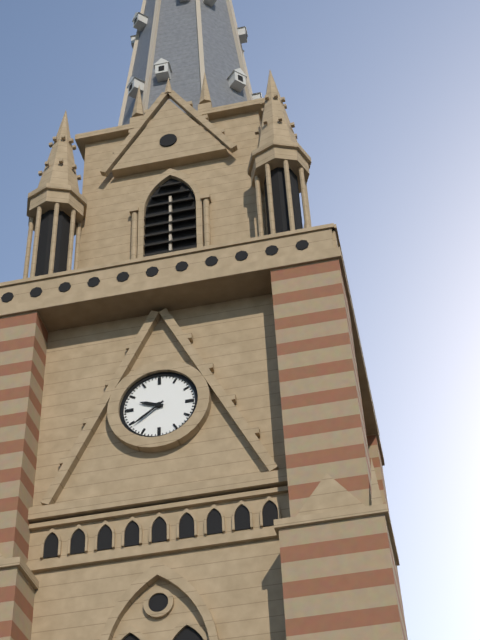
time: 9:39
